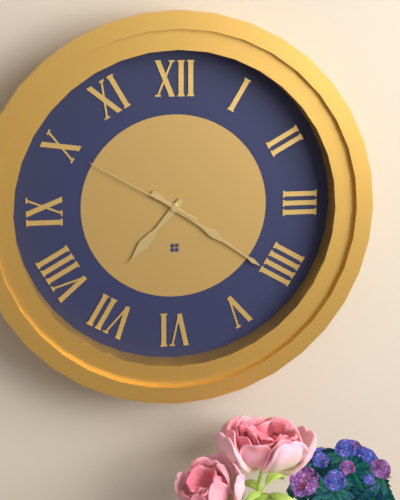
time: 7:21:50
